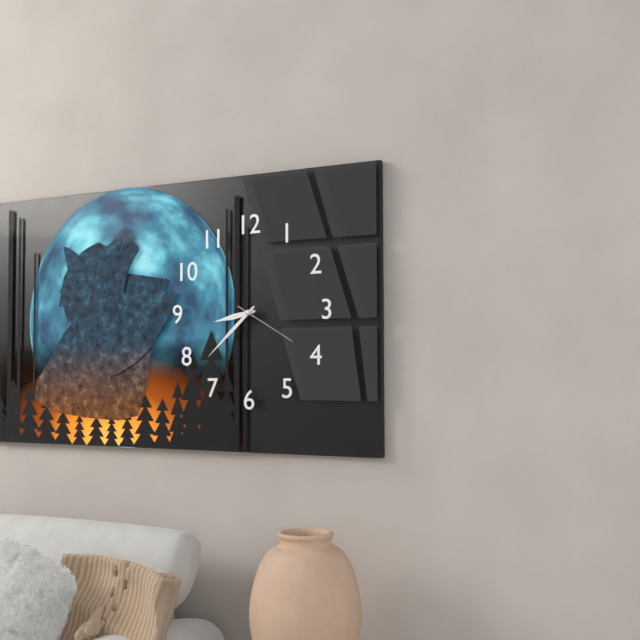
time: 8:38:20
